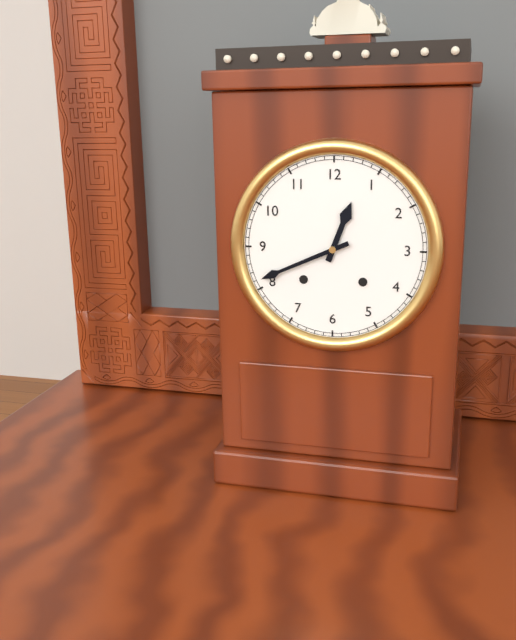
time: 12:41
